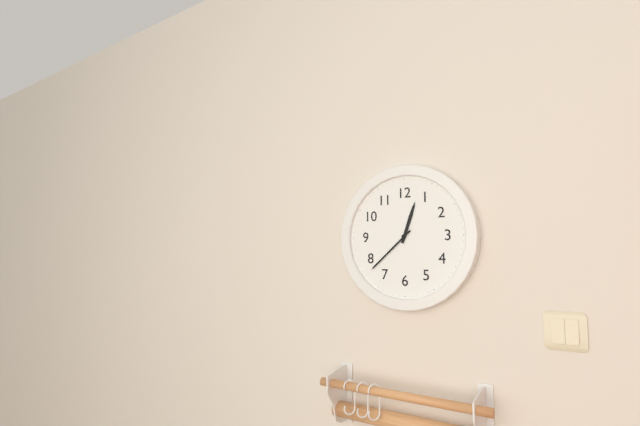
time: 12:38
